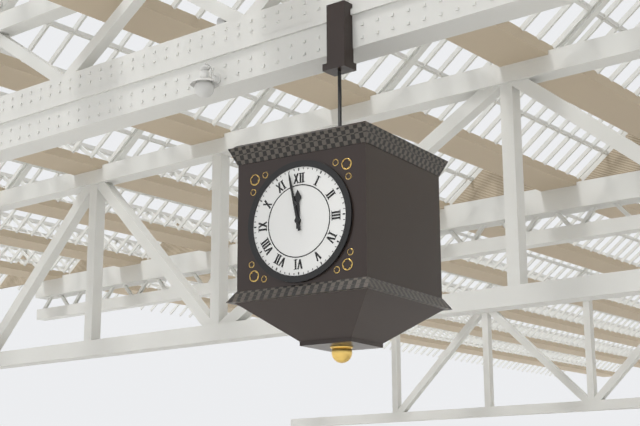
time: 11:58
